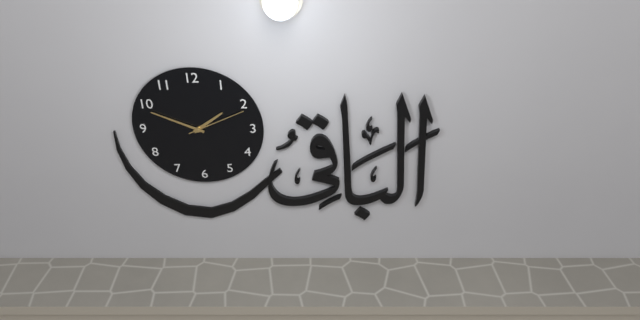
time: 1:49:11
